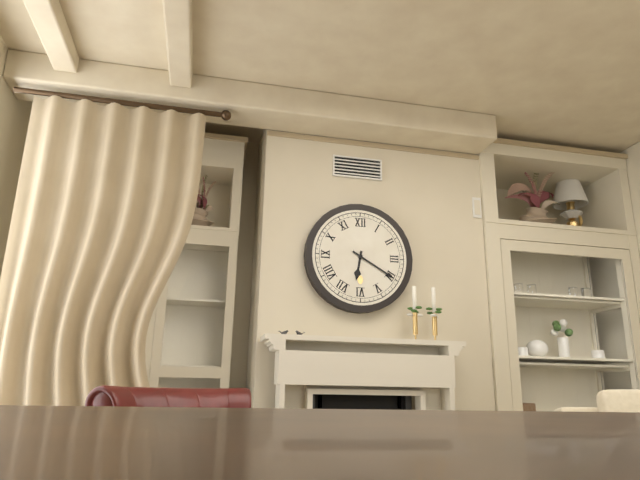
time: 6:20
